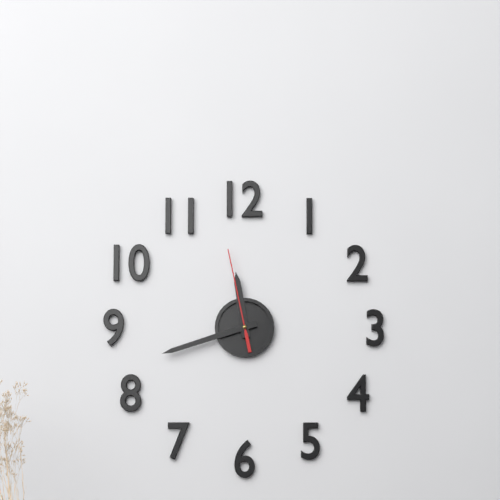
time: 11:42:58
